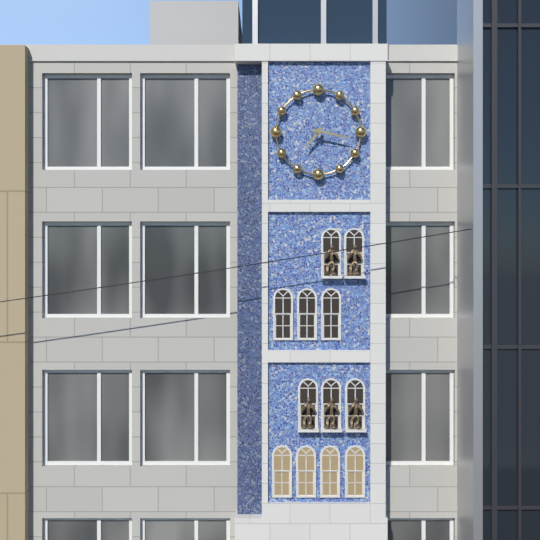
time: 7:17
